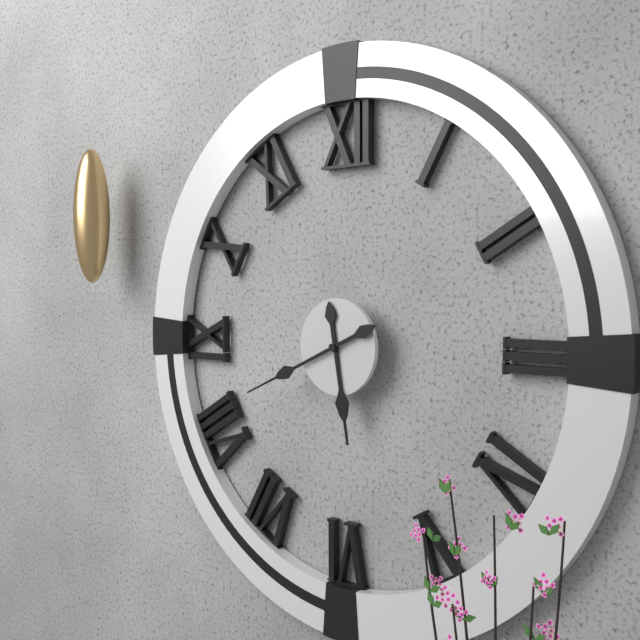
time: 5:41
